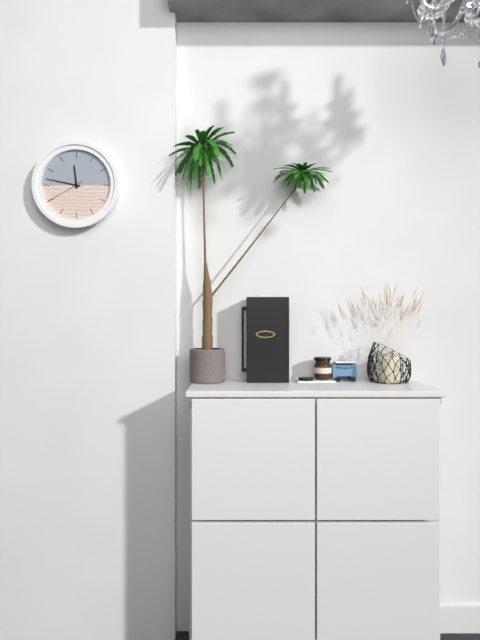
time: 11:47
